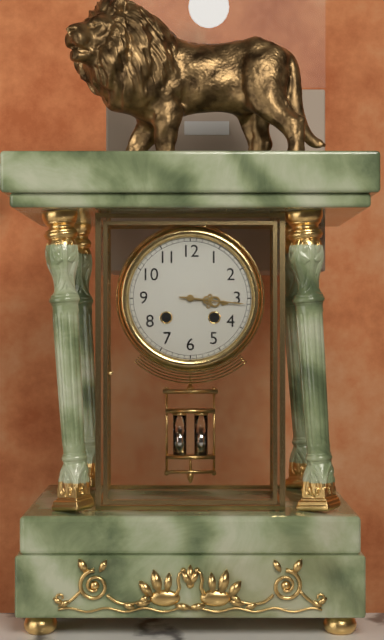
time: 3:16
